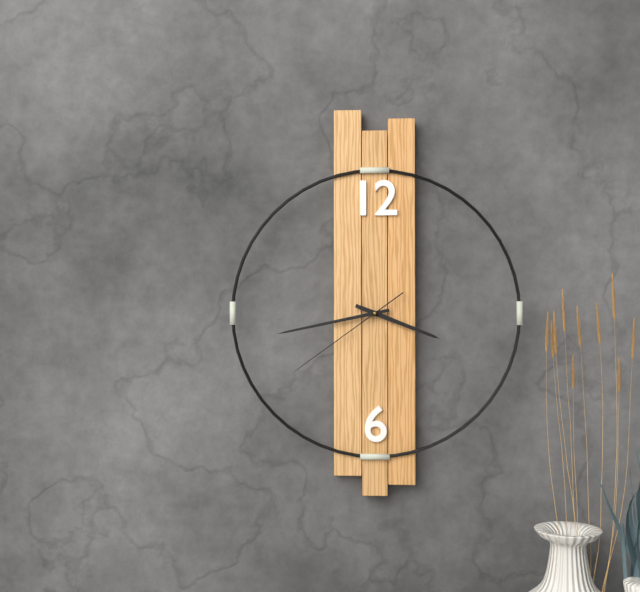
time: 3:43:39
